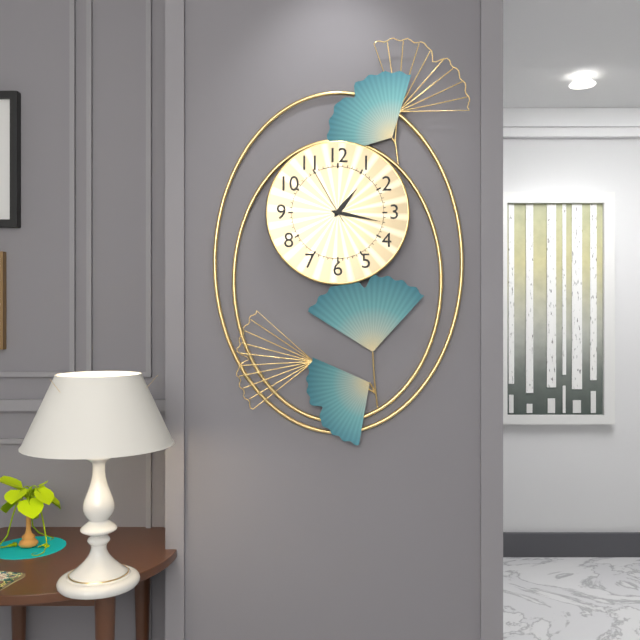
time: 1:17:55
